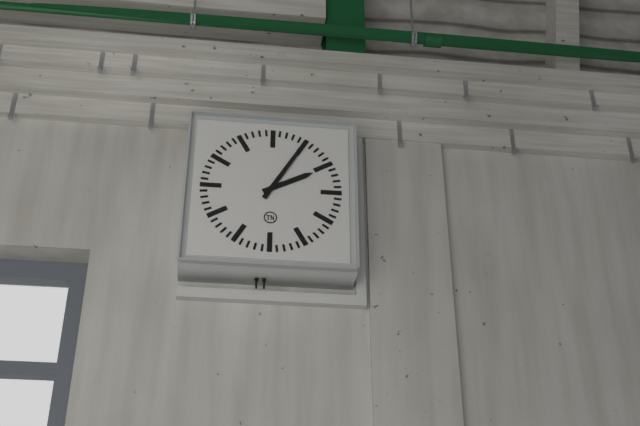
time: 2:05
